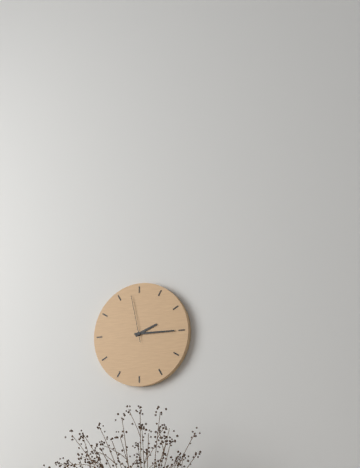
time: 2:15
